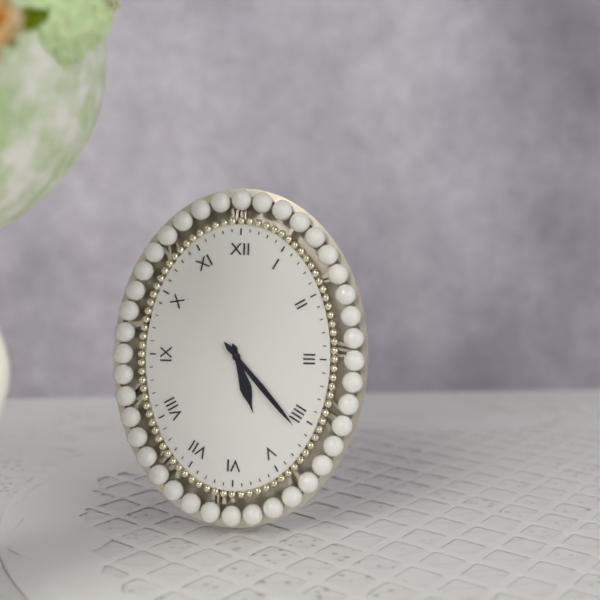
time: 5:23
